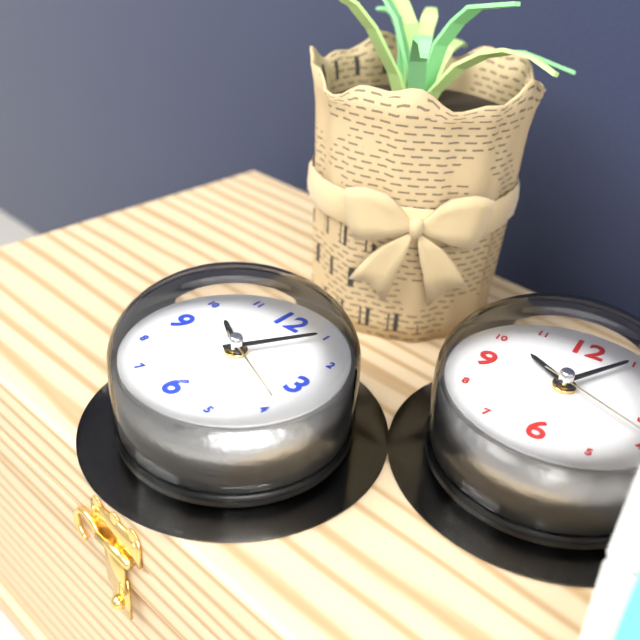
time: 10:05:19
